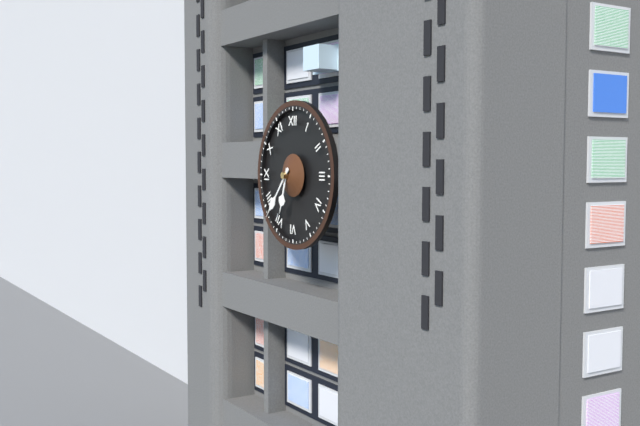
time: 6:37
